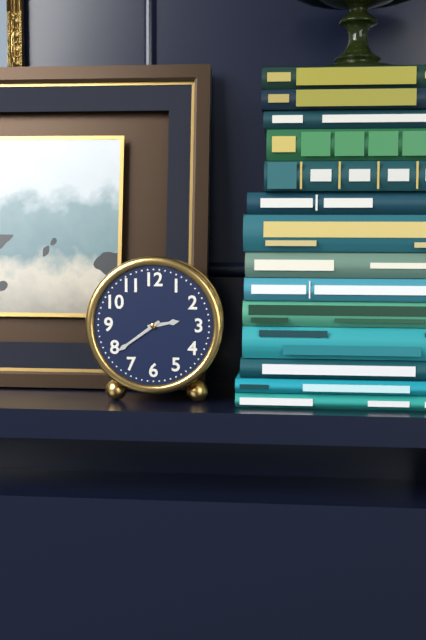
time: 2:39
